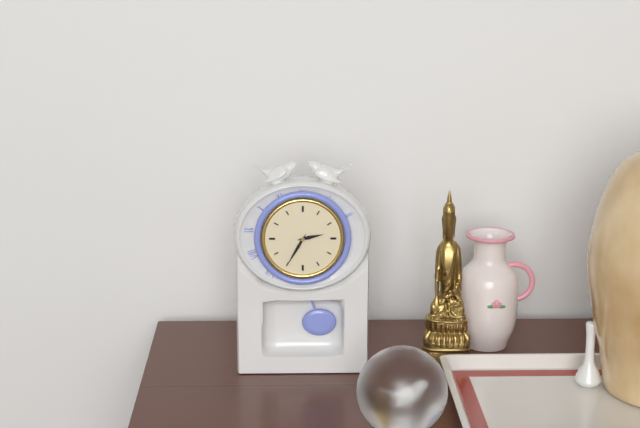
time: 2:35
